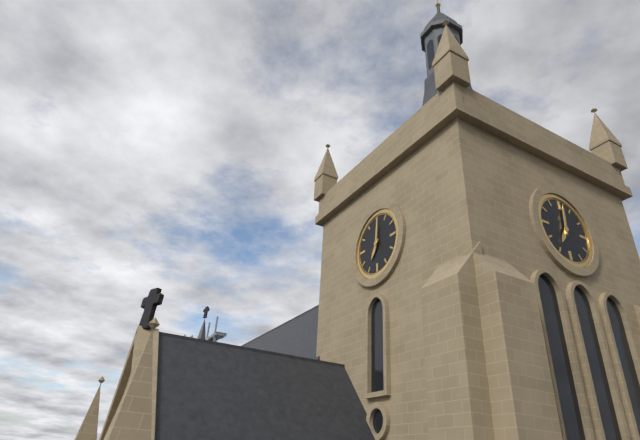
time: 7:01
